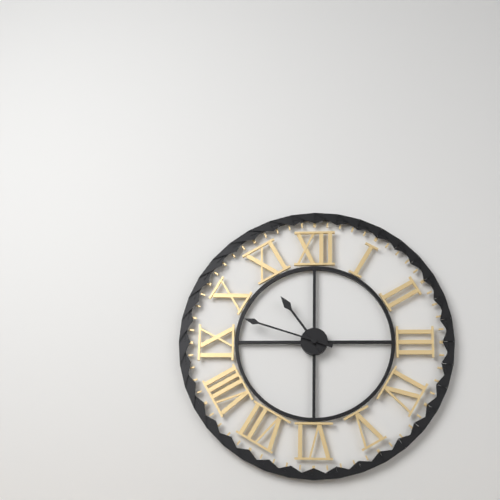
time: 10:48
